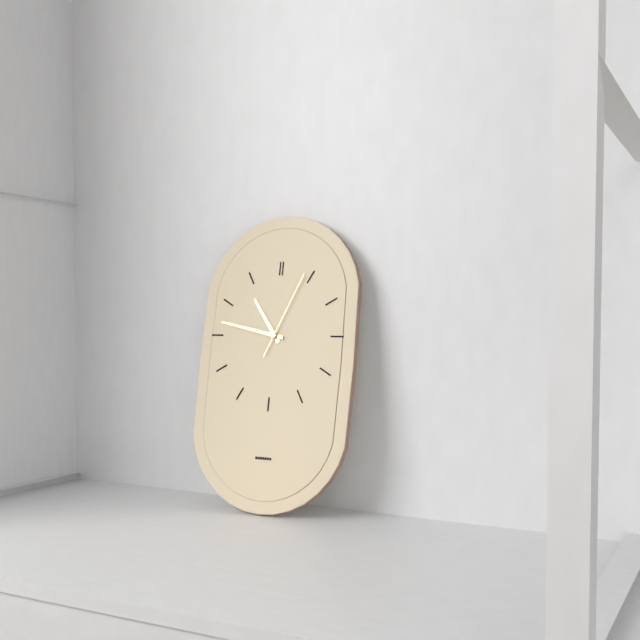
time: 10:47:04
